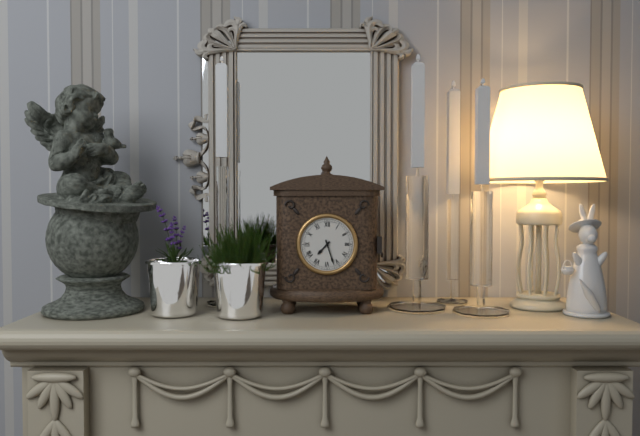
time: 7:27
